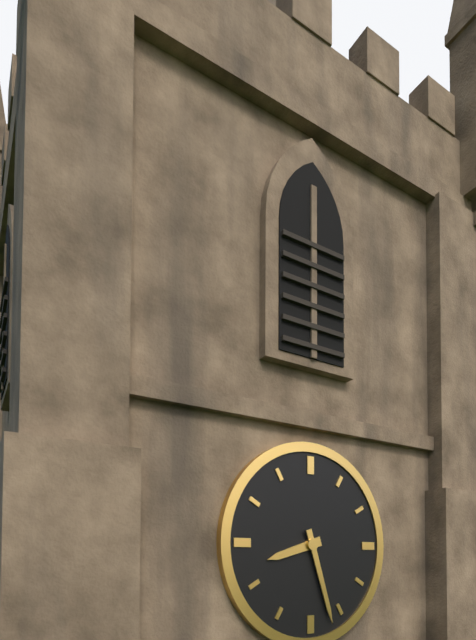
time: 8:27
